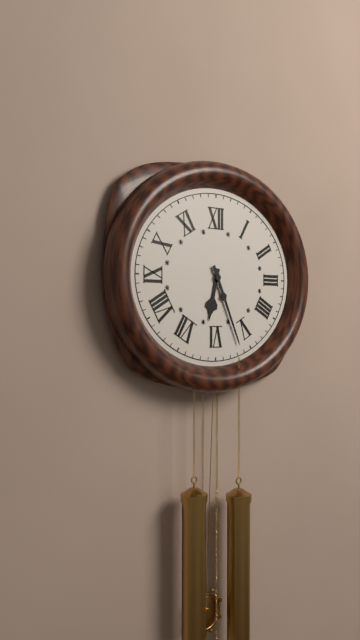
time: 6:26
